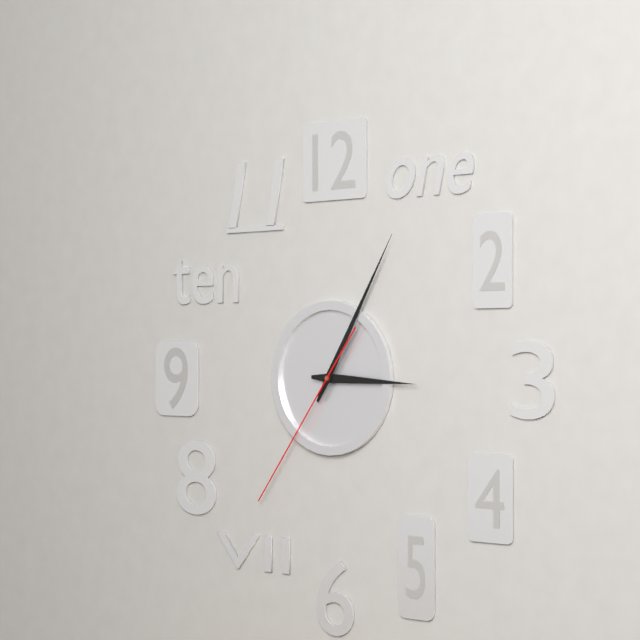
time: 3:05:36
